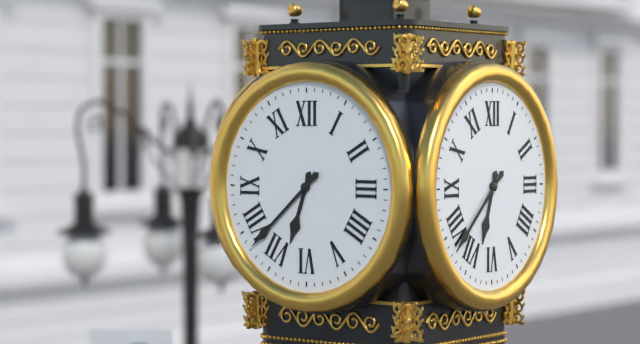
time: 6:38
